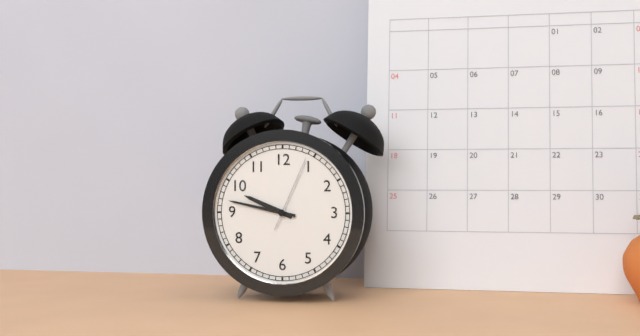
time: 9:47:04
